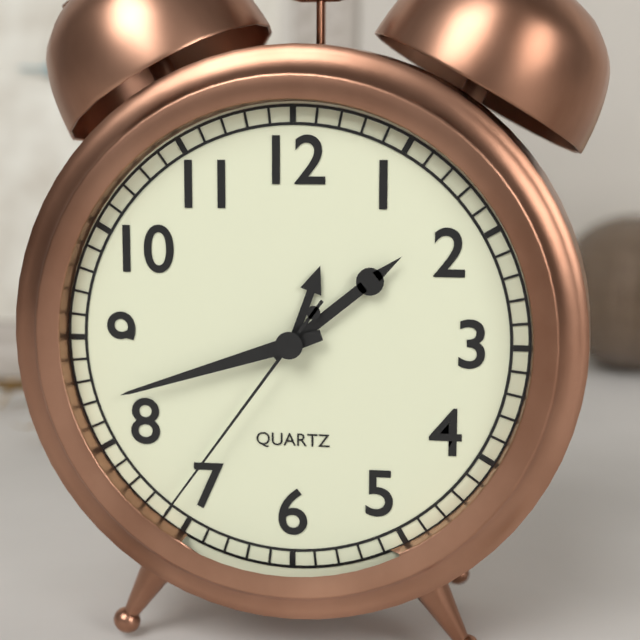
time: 1:42:36
